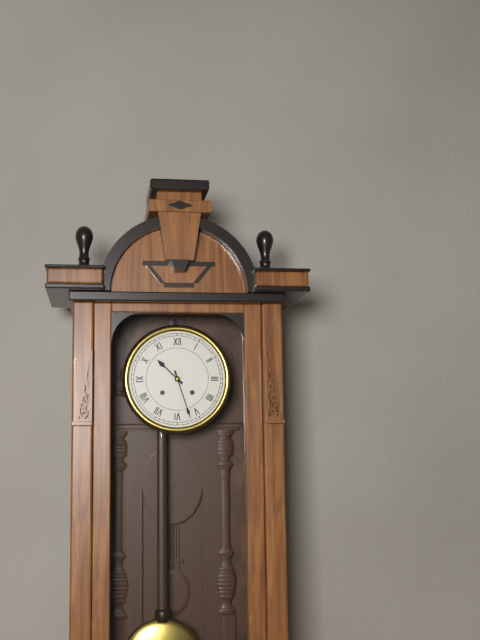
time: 10:27
